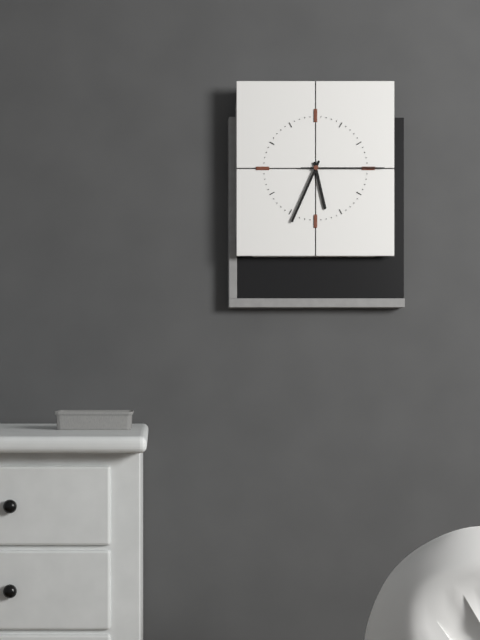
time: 5:34:15
